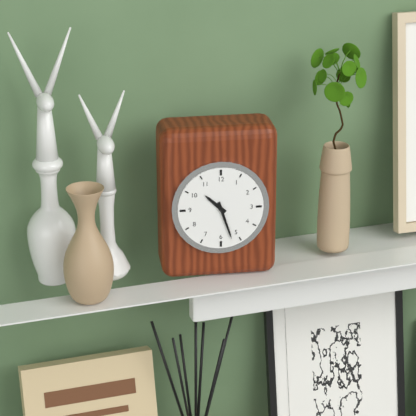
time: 10:27
